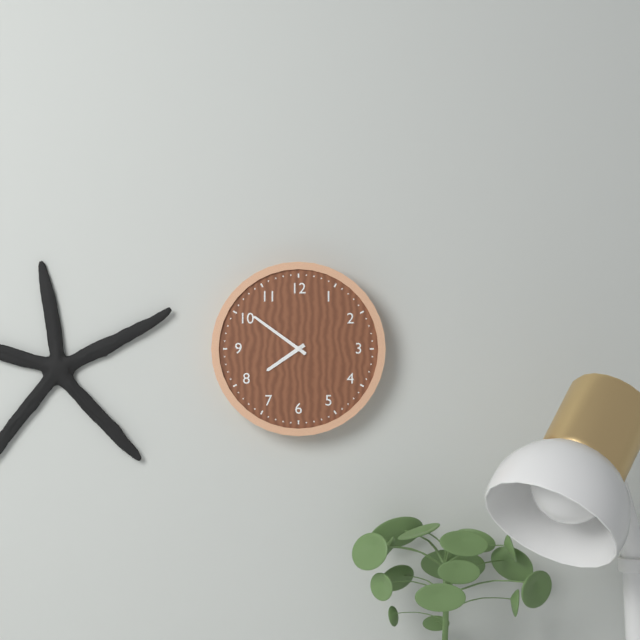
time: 7:51
